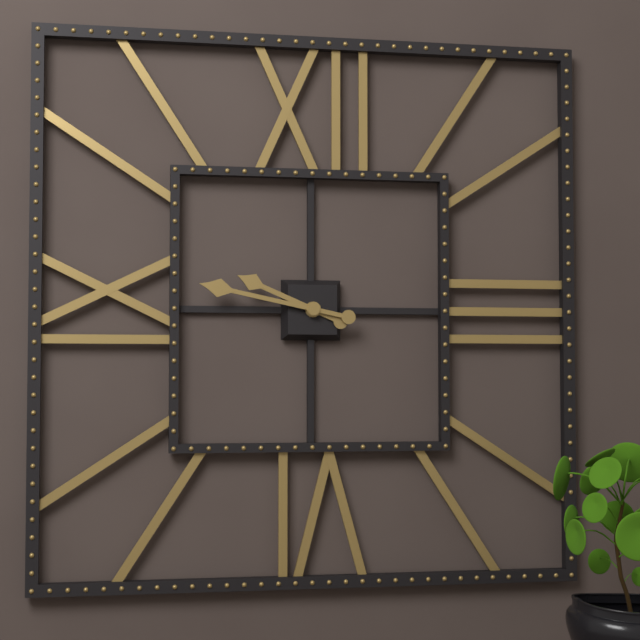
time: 9:47
